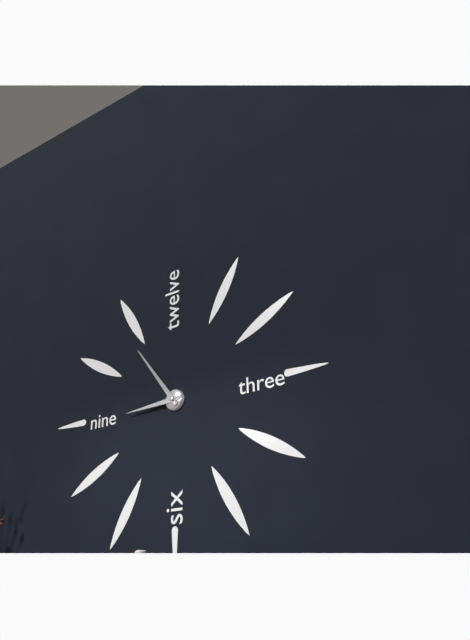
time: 8:54
